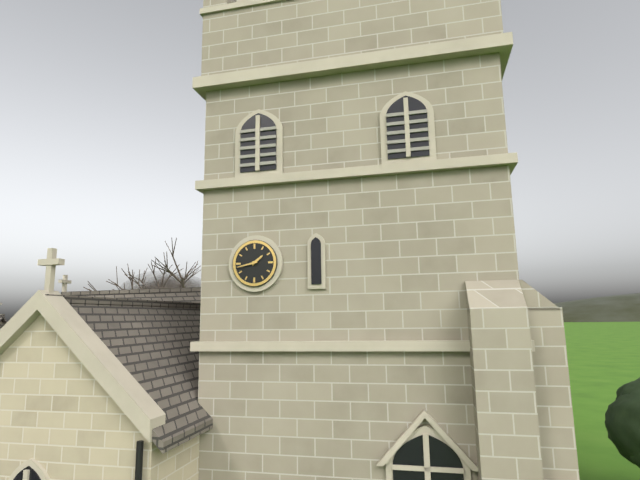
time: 1:43
